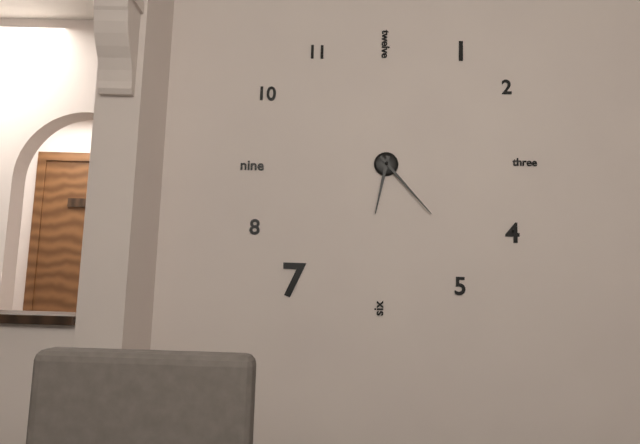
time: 6:23
